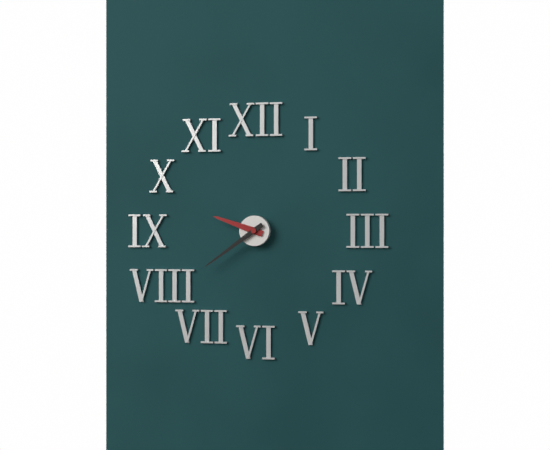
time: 9:39
